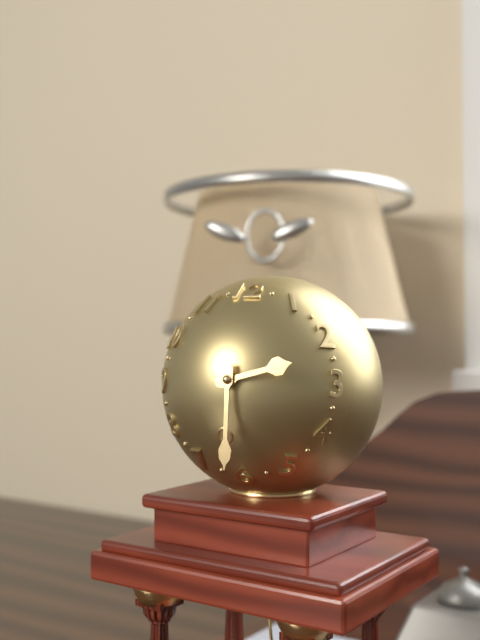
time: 2:30
